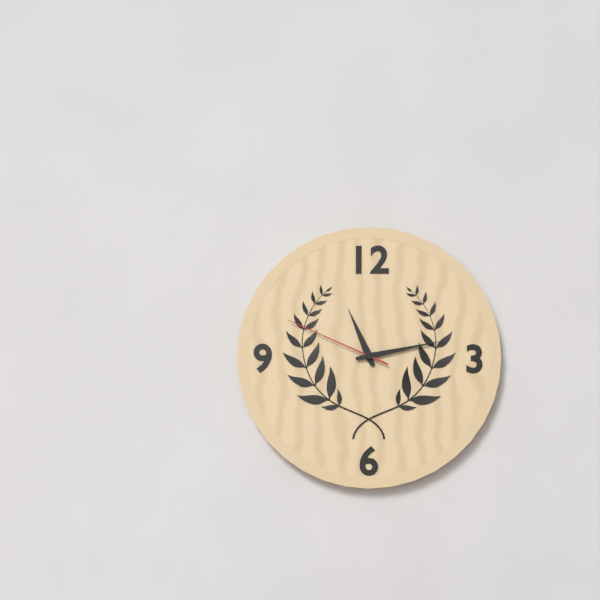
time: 11:13:49
